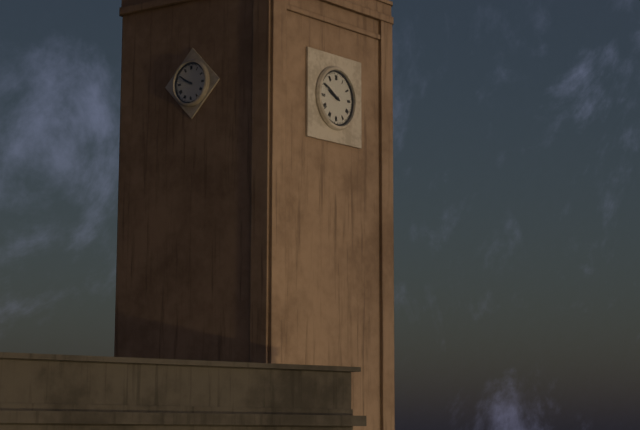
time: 9:50
